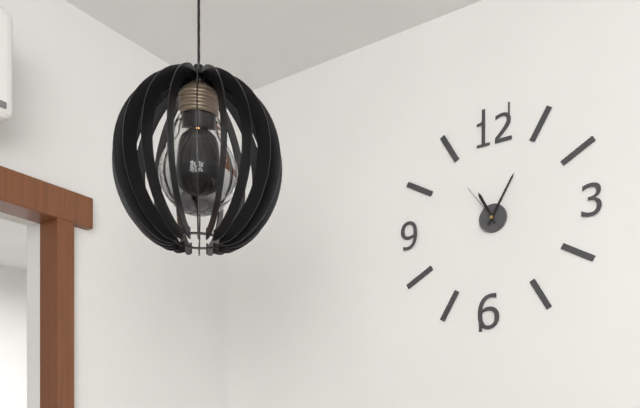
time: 11:05
